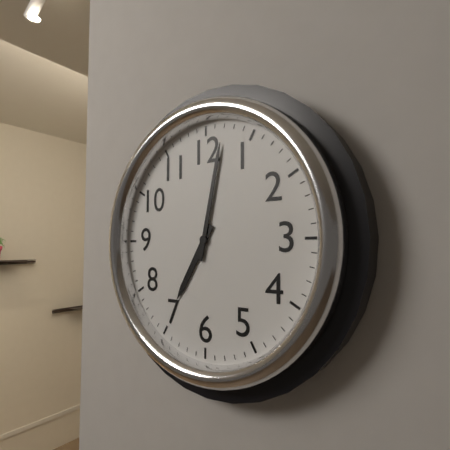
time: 7:02
